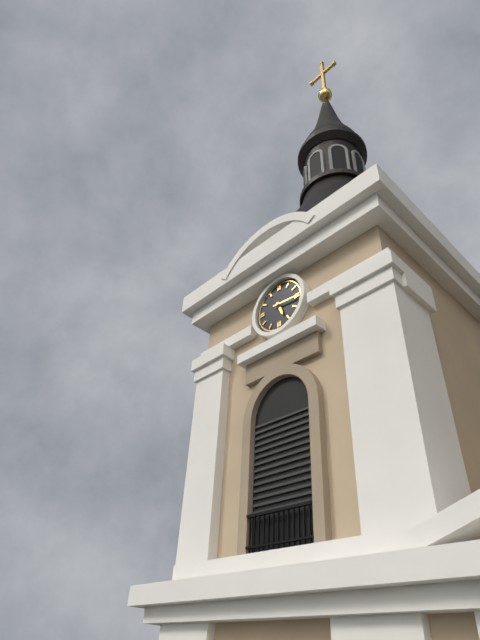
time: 5:16
